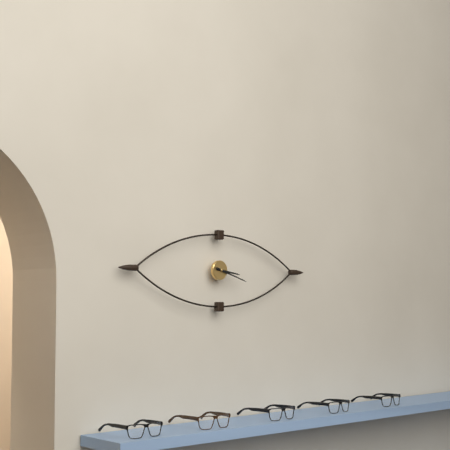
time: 3:18
